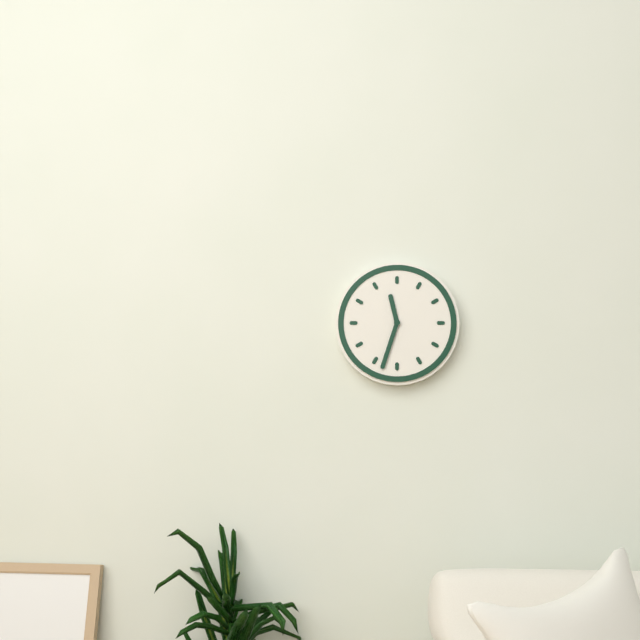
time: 11:33
